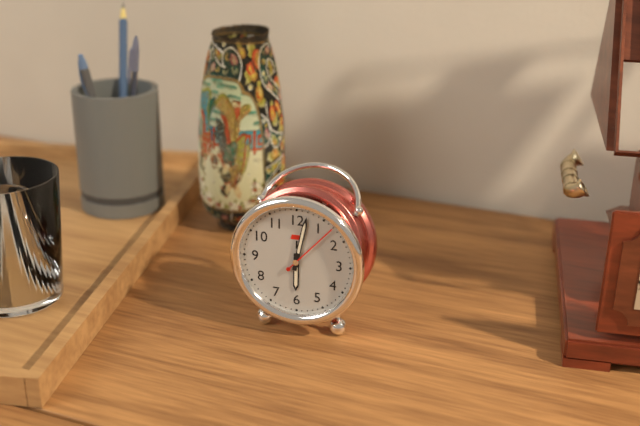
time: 6:02:07
